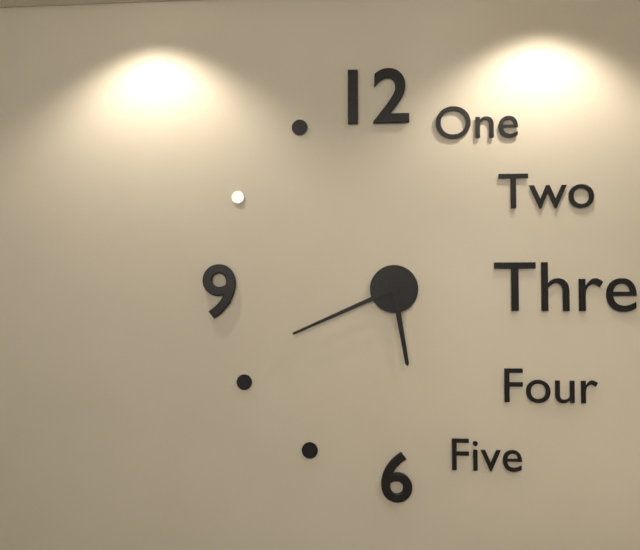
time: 5:41
